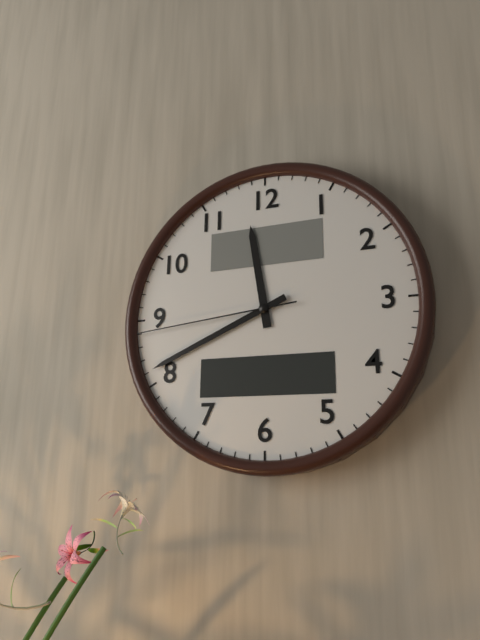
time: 11:41:44
